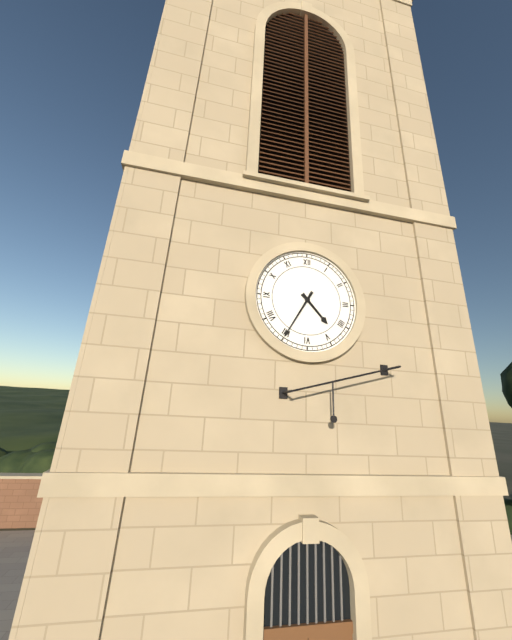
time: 4:35
